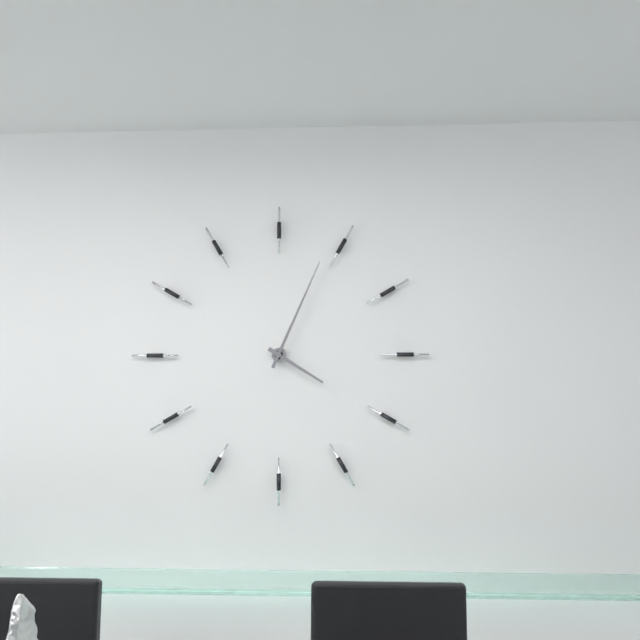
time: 4:04
